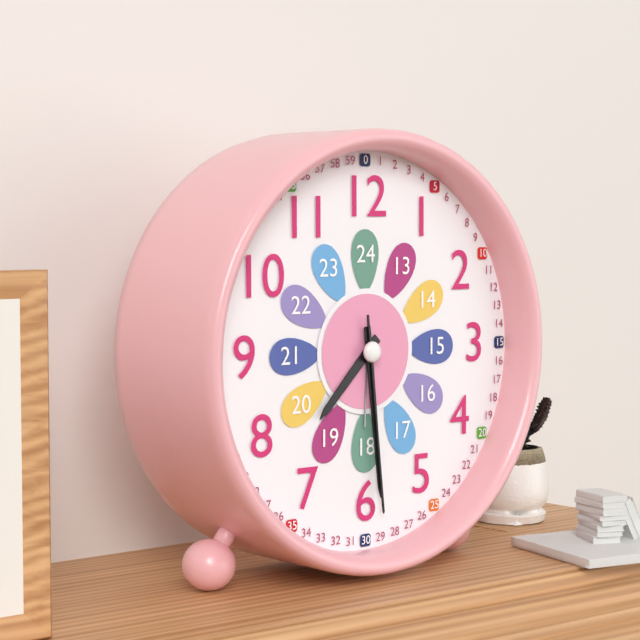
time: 7:29:29
